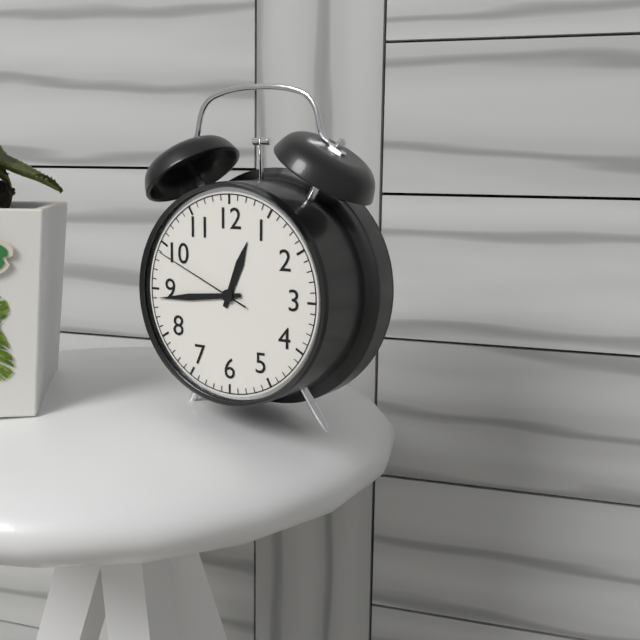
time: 12:44:49
